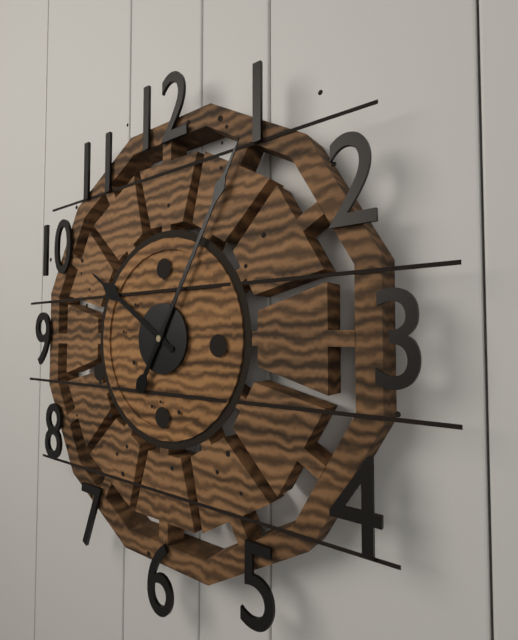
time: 10:05
